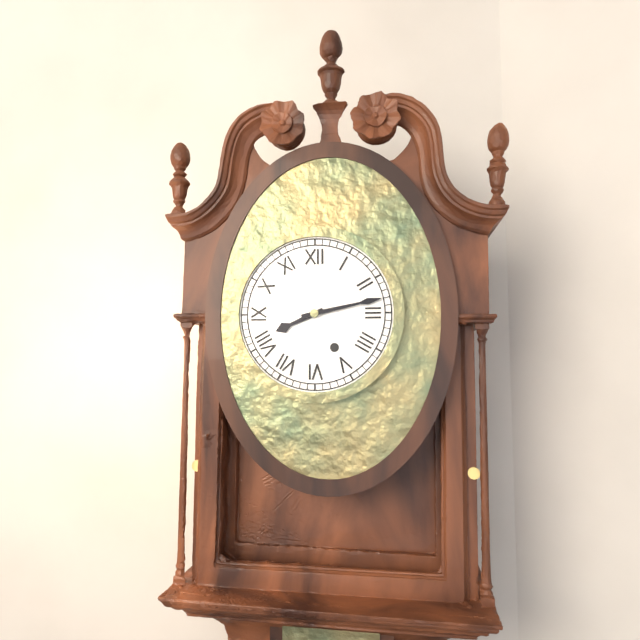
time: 8:13
